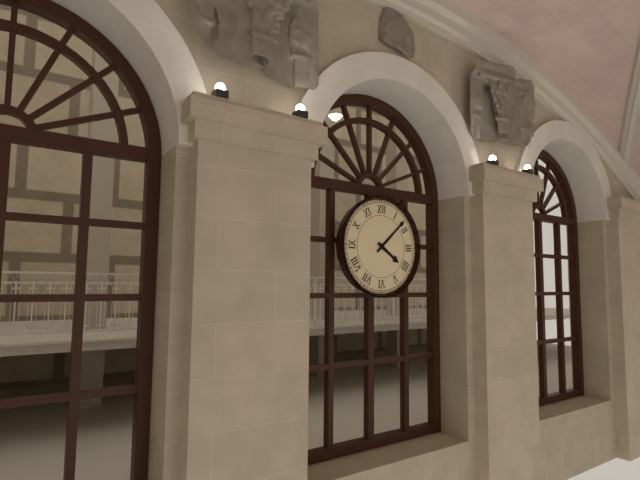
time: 4:08
